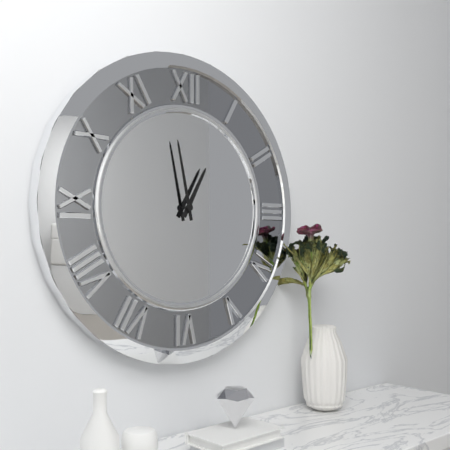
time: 12:58
